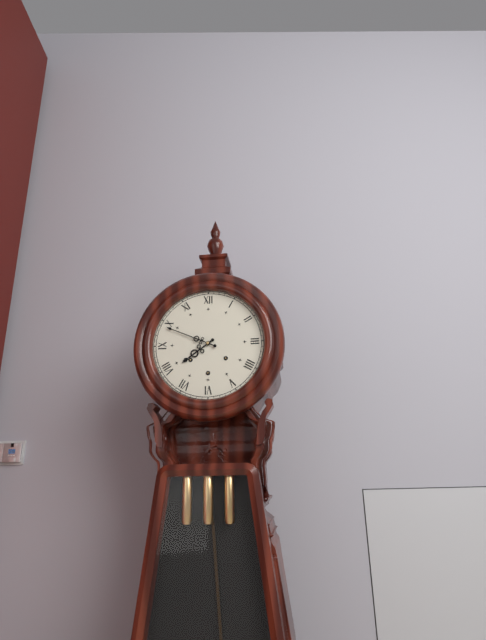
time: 7:49
